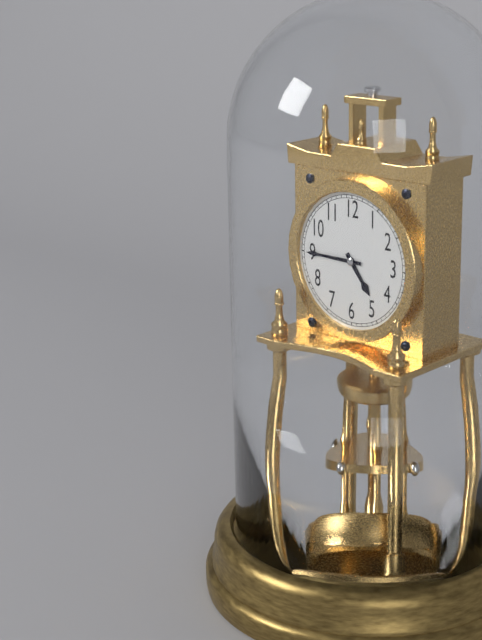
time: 4:45
